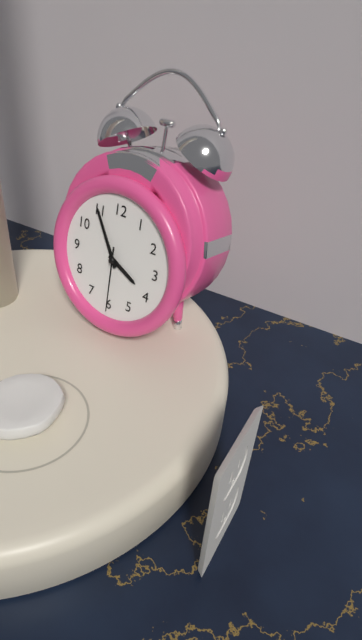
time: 3:55:30
